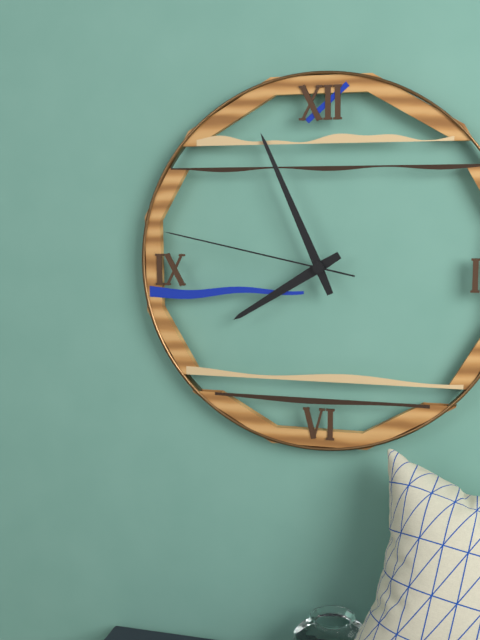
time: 7:56:47
